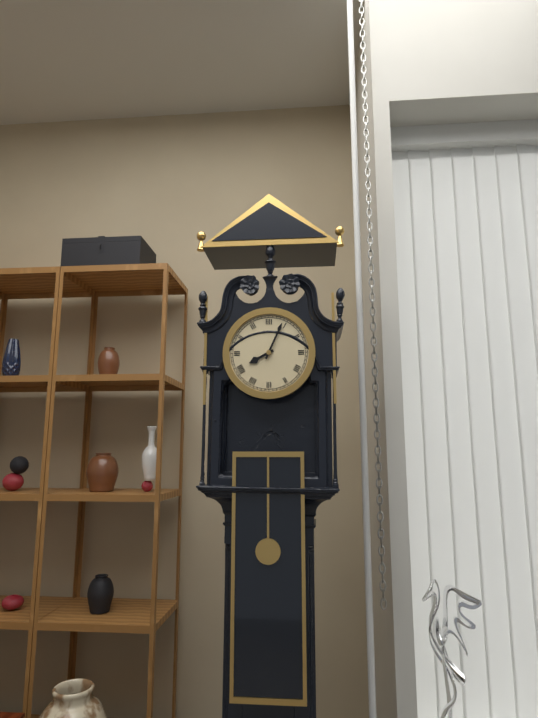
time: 8:04
